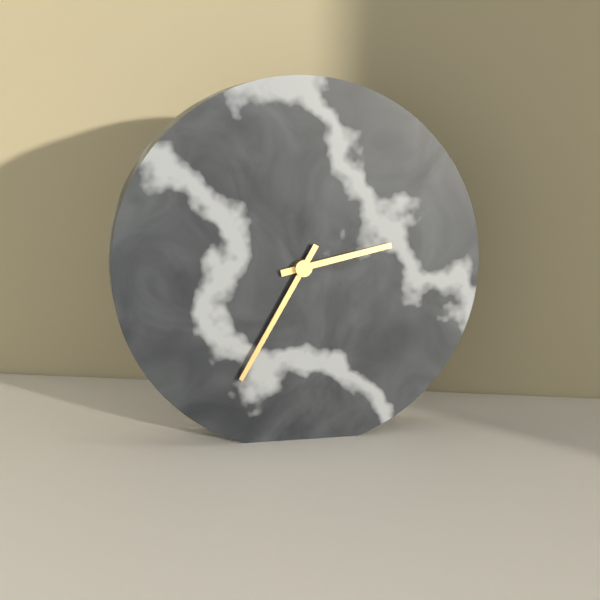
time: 2:35
